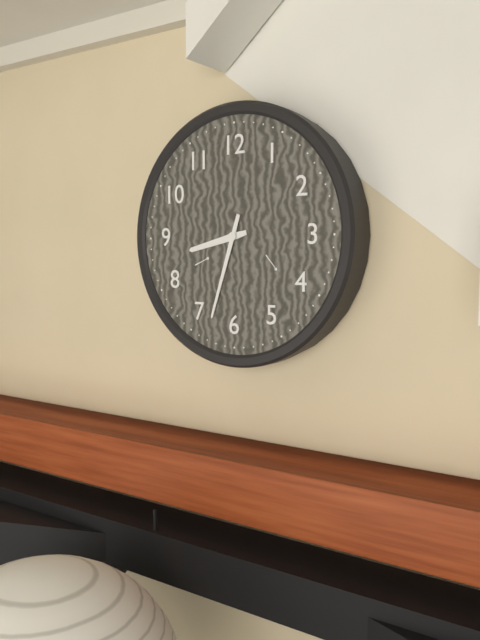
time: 8:33
